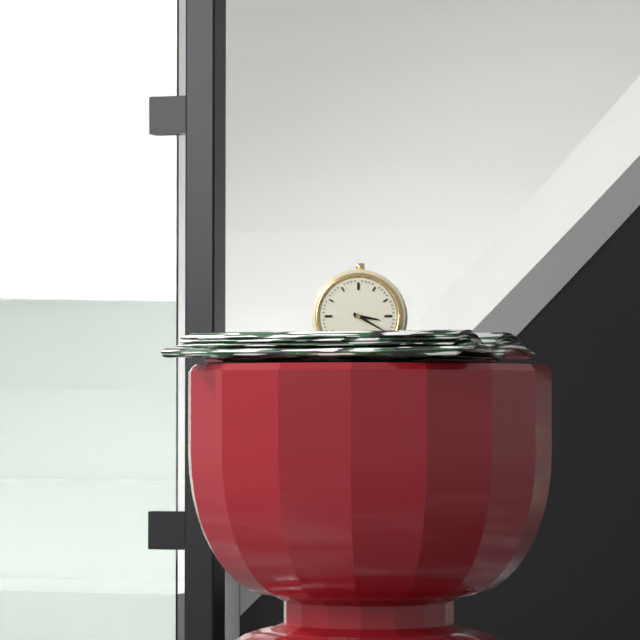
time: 3:20
